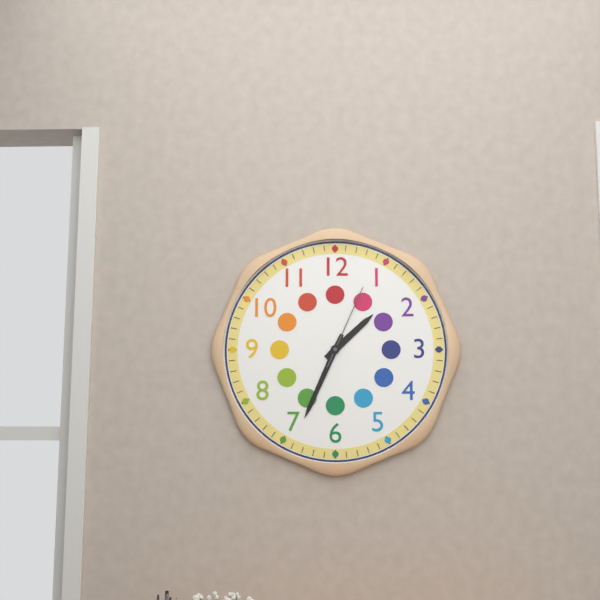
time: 1:34:04
